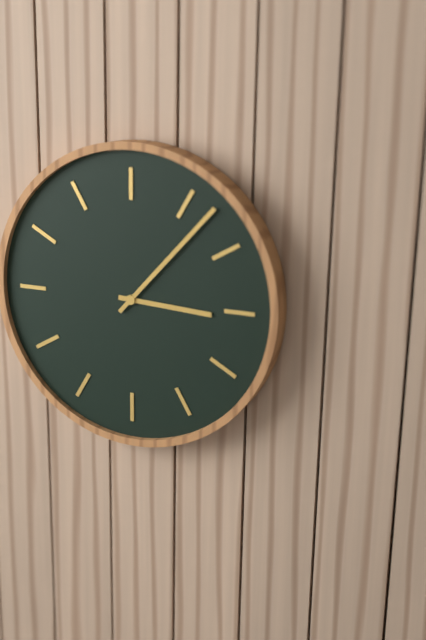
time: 3:07
